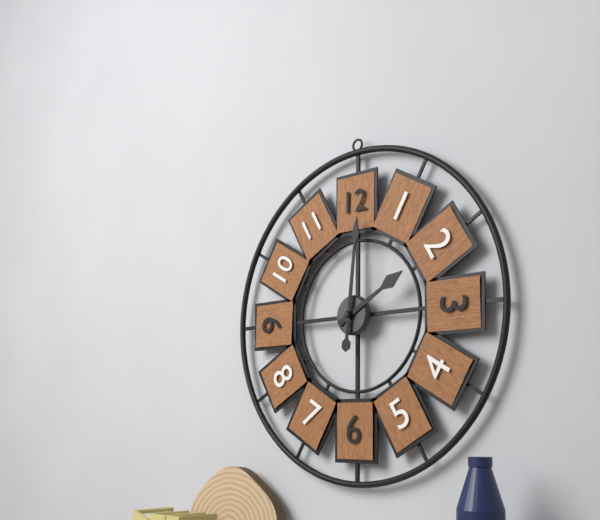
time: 2:01
